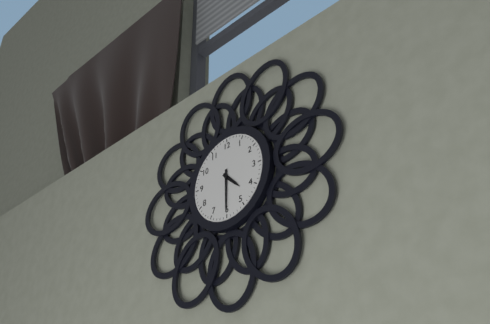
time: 4:30
